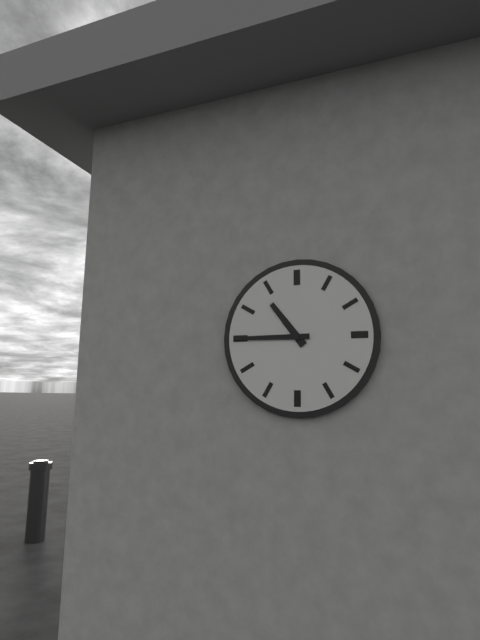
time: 10:45
